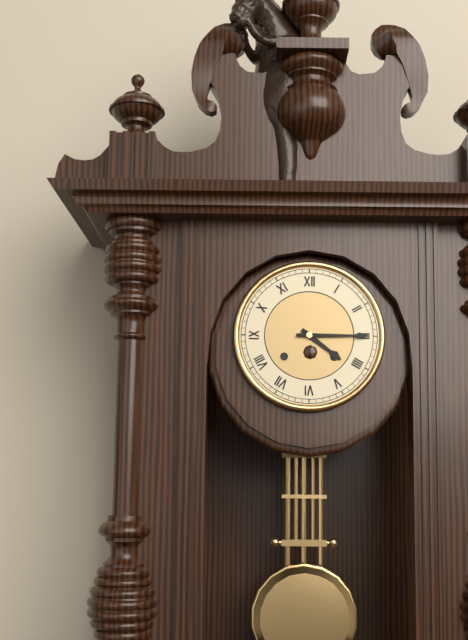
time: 4:15
